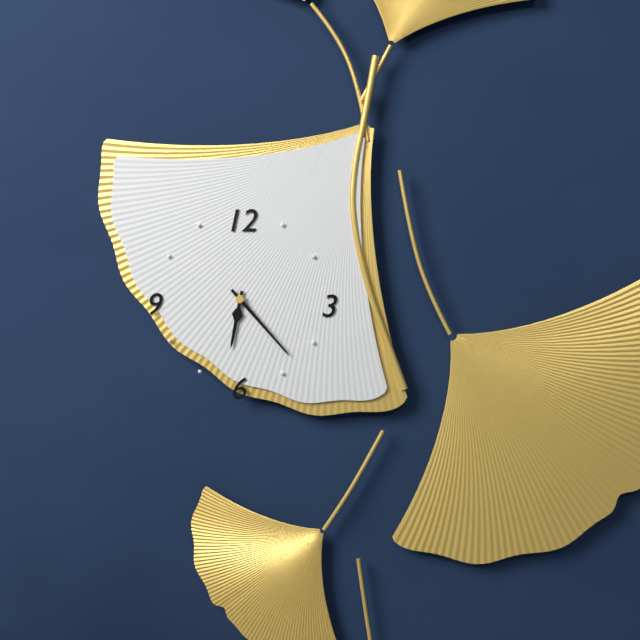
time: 6:23
